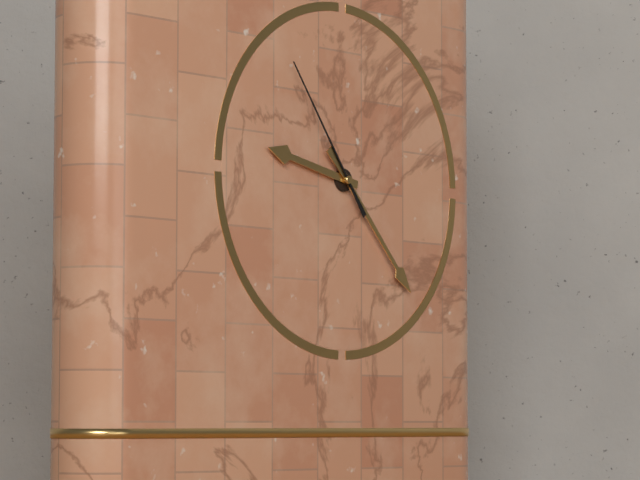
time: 9:23:54
